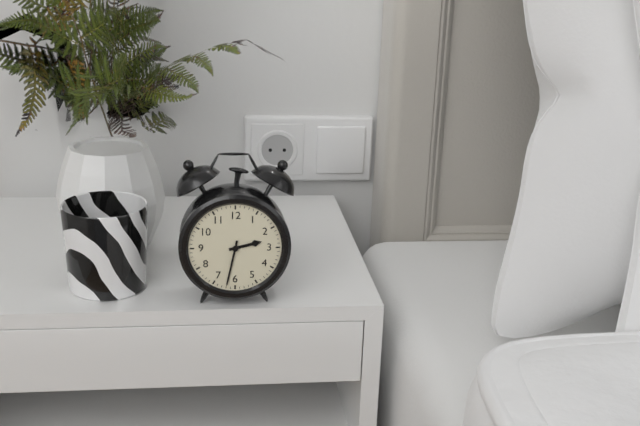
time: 2:32
